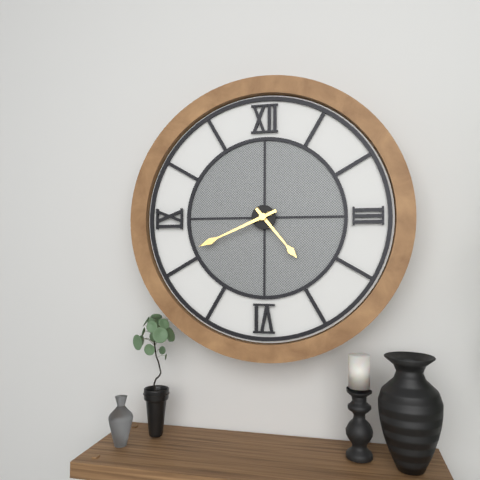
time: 4:41
